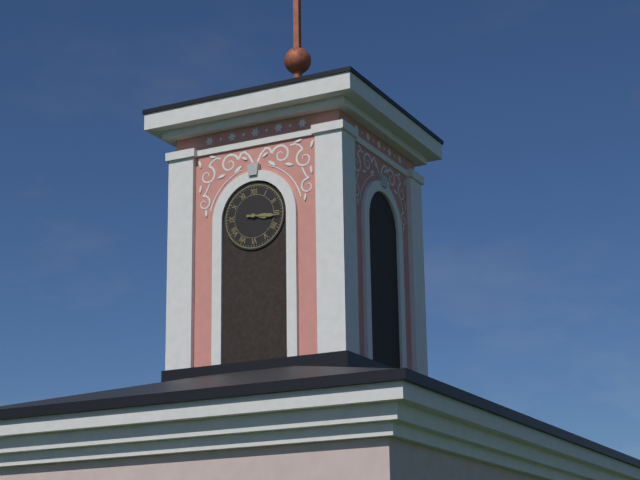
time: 3:16
